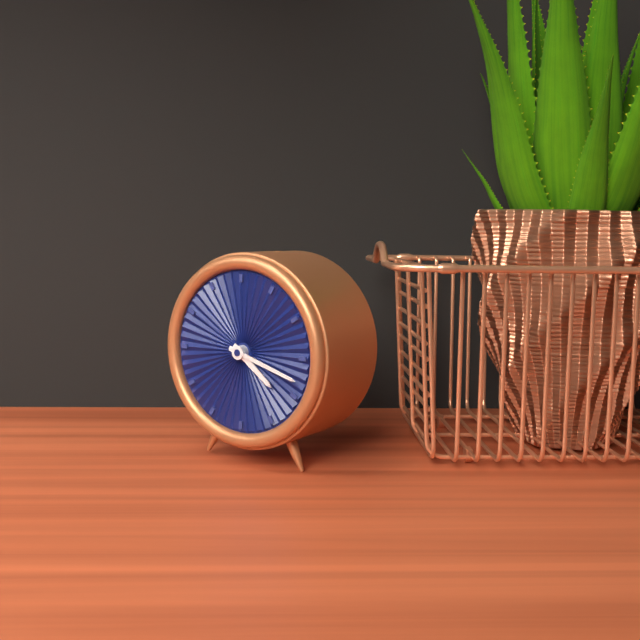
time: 4:18
